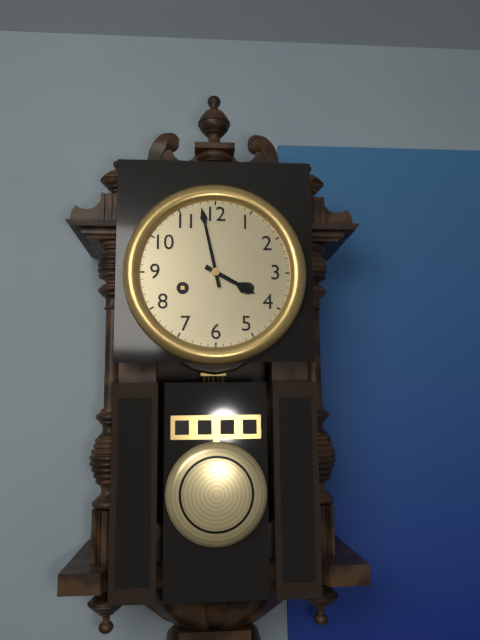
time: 3:58
